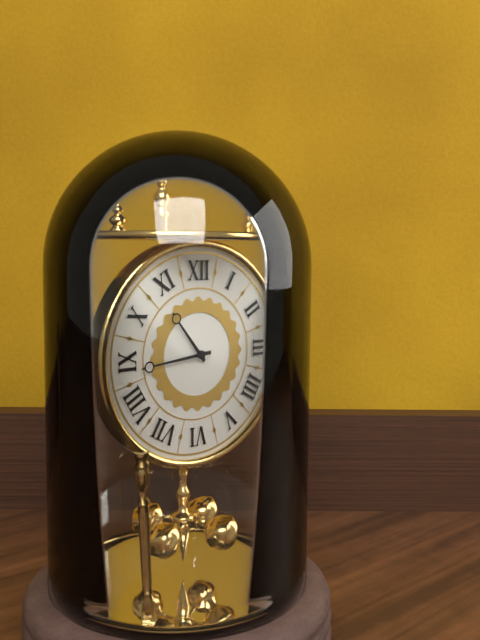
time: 10:44
